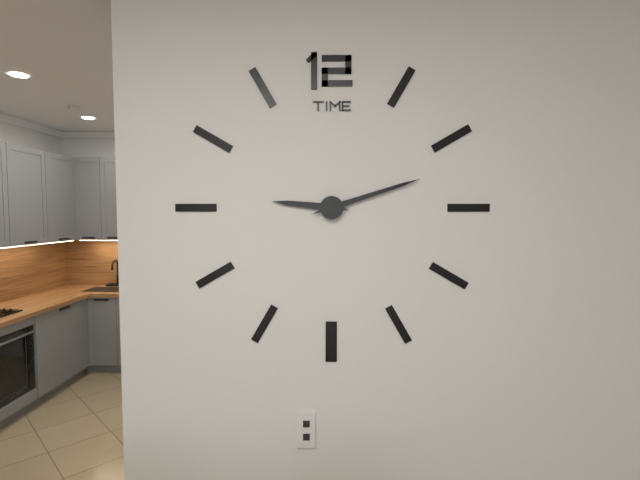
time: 9:12
